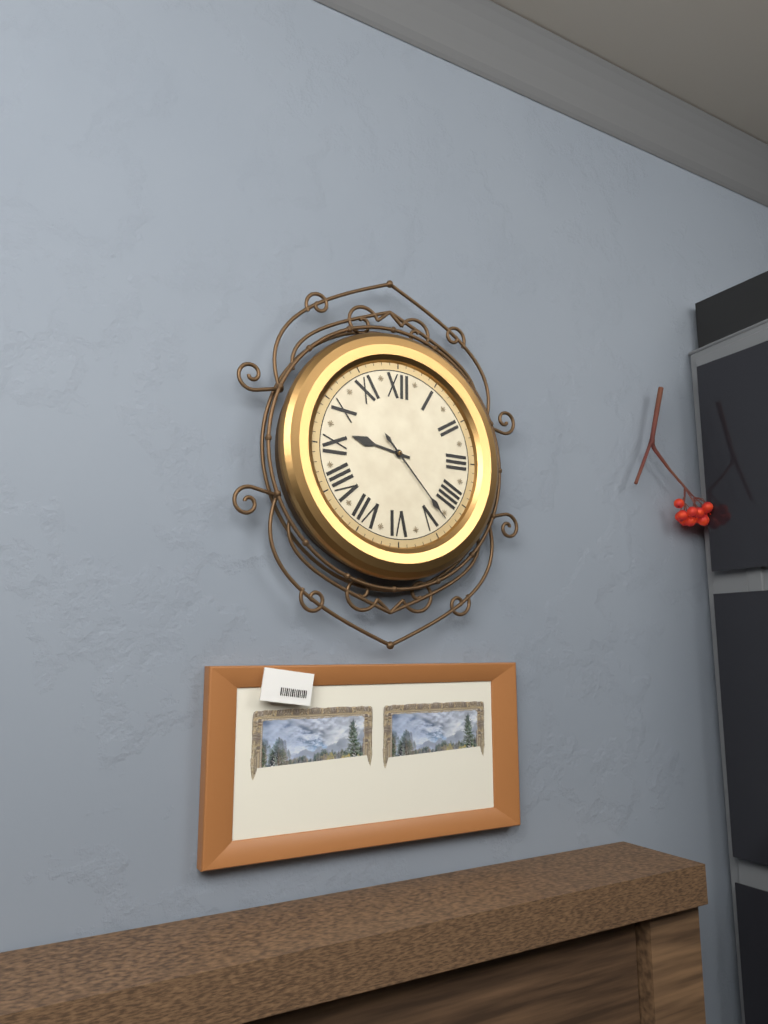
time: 9:23
